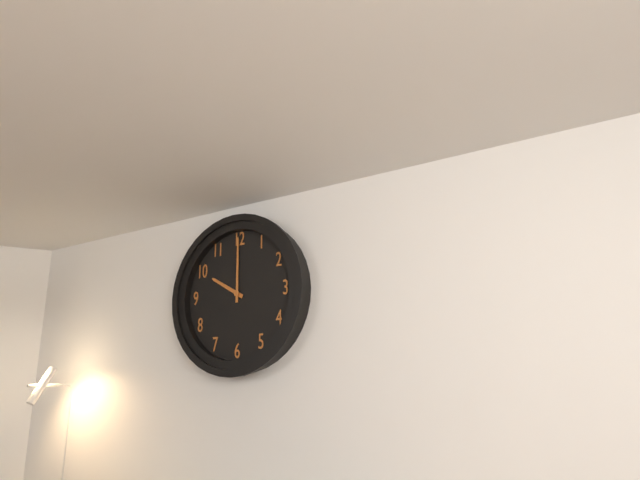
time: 10:00
